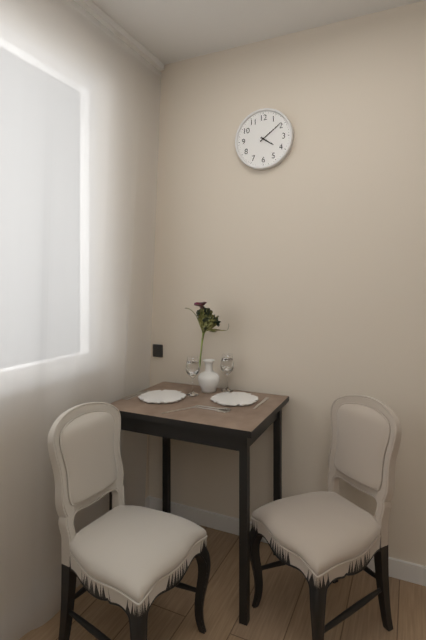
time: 4:09
